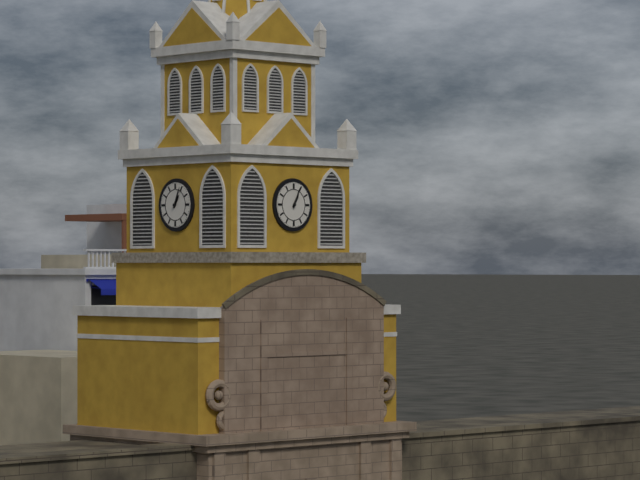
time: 1:04
